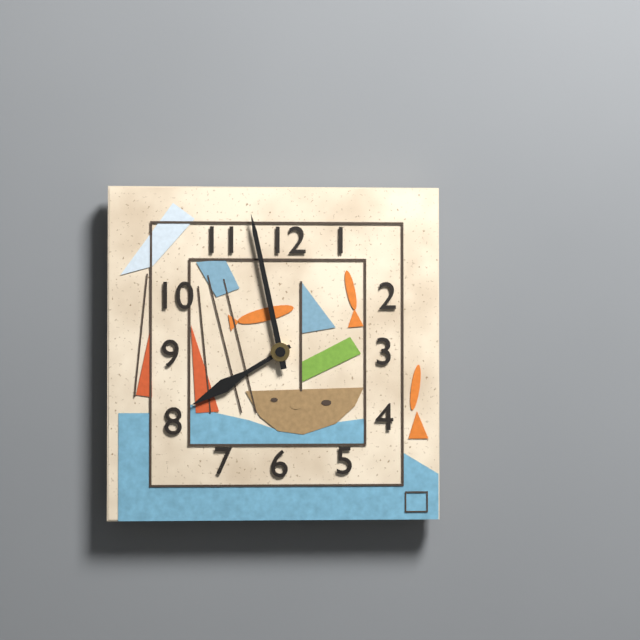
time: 7:58
